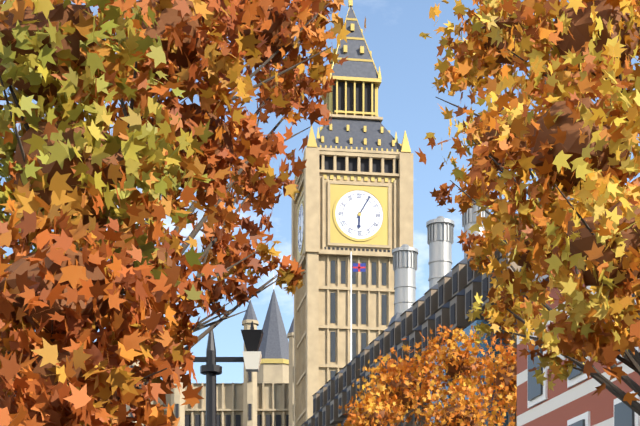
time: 6:05
